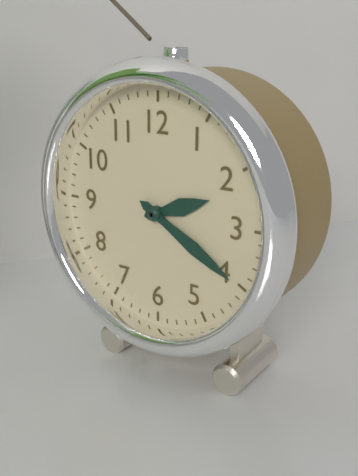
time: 2:20
